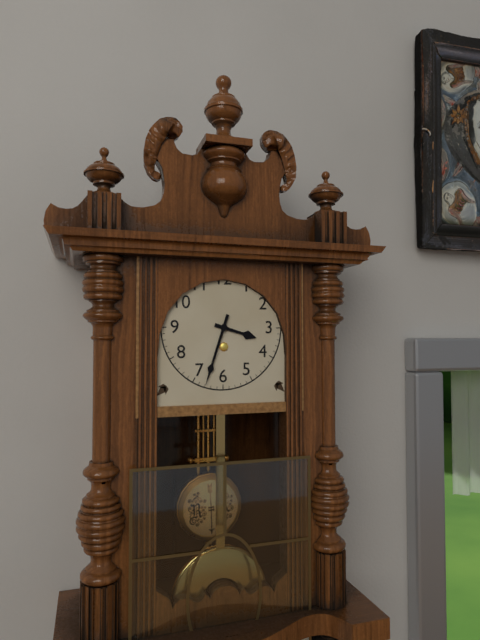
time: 3:33
